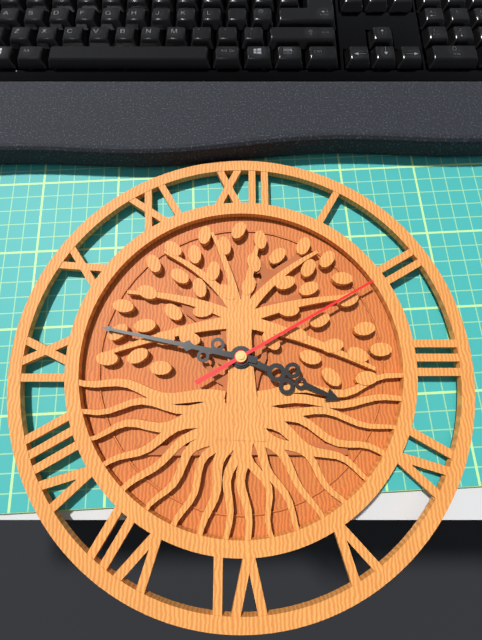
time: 3:47:10
